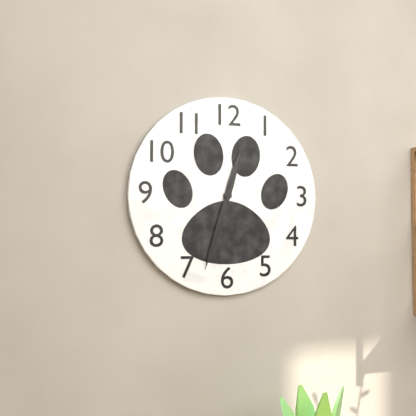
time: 12:33
